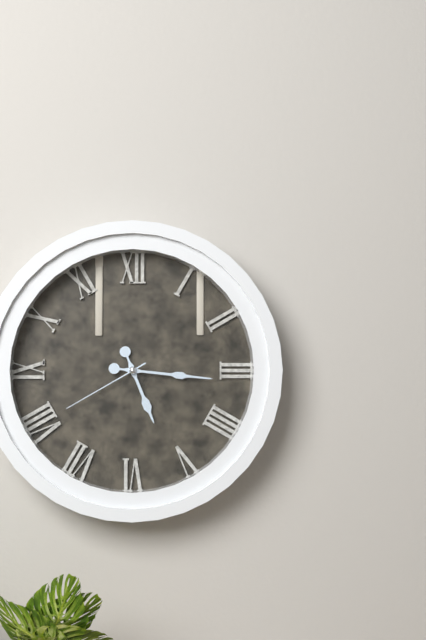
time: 5:16:40
